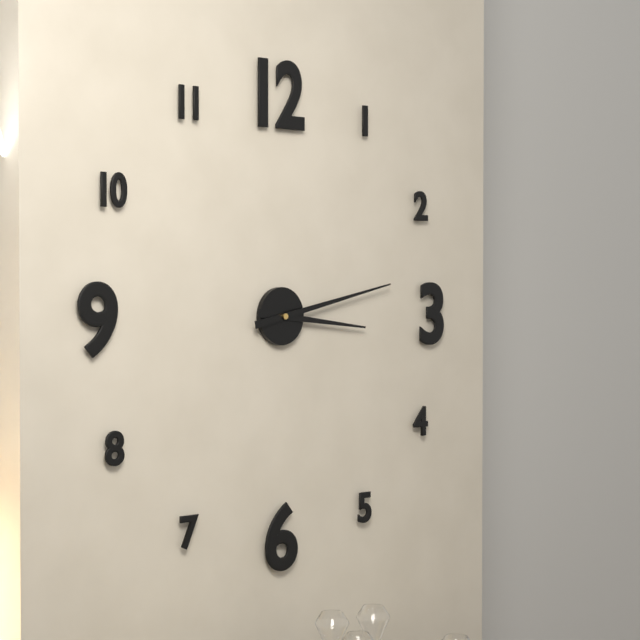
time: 3:13
